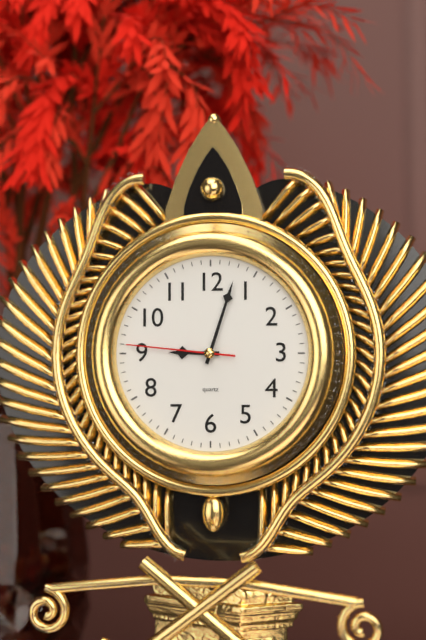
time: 9:03:46
